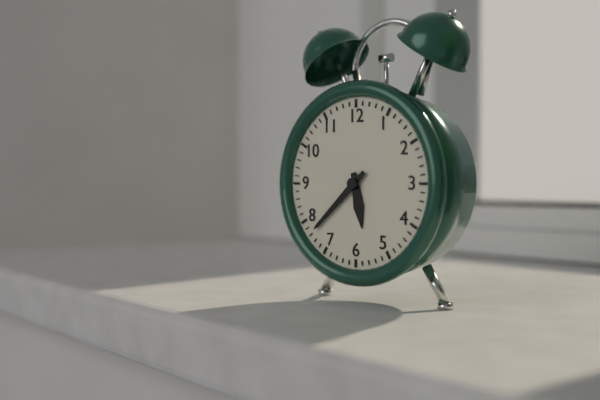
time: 5:38
